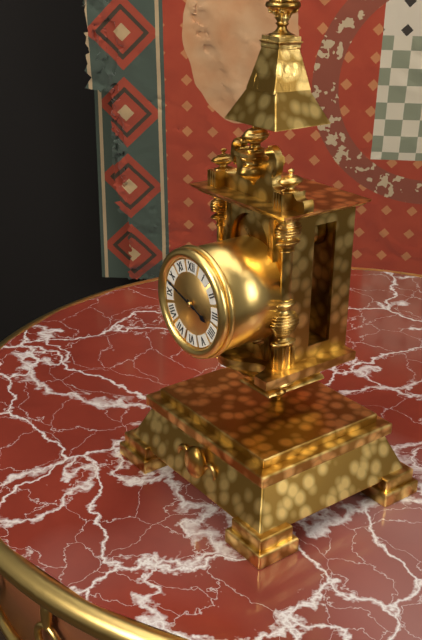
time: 3:48
